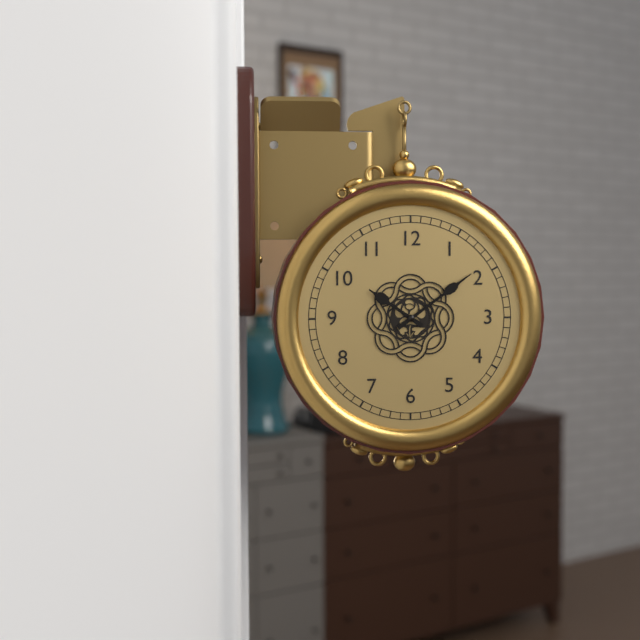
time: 10:09
